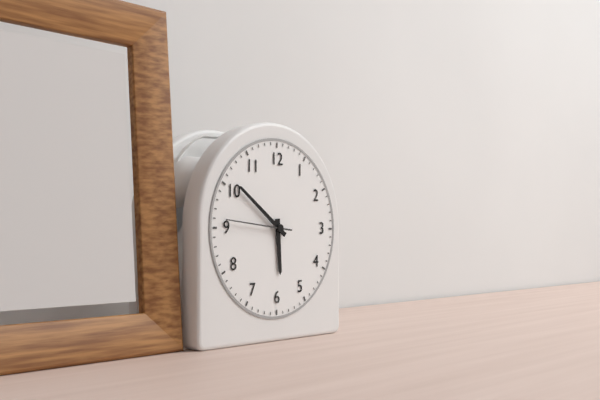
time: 5:51:46
